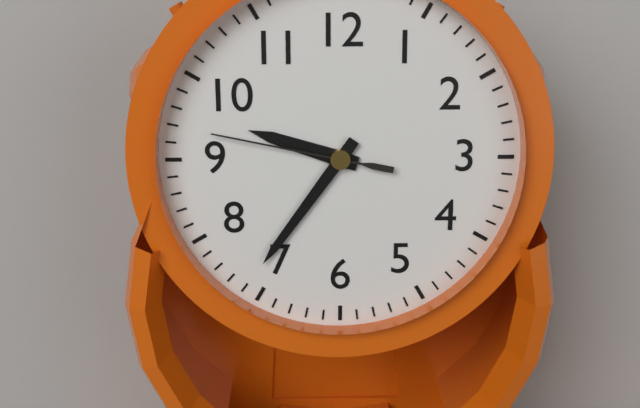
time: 9:36:47
